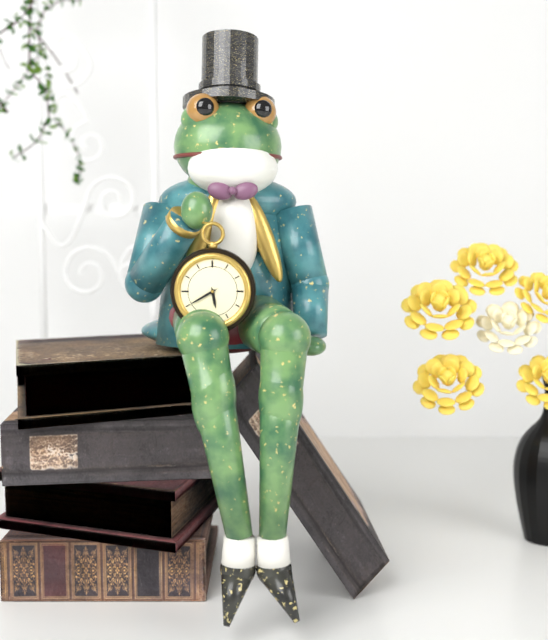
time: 5:40
